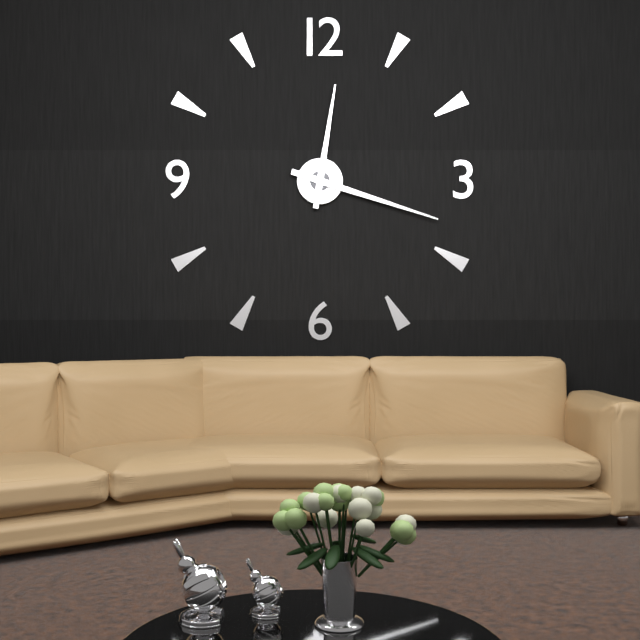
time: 12:18
